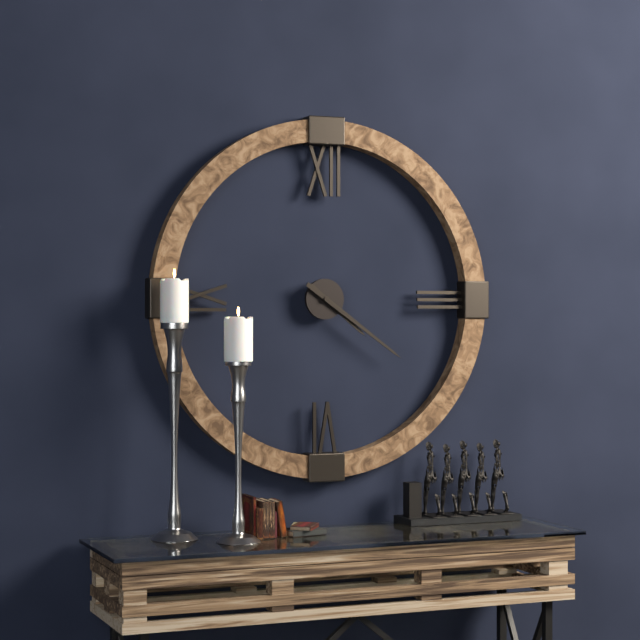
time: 4:21
